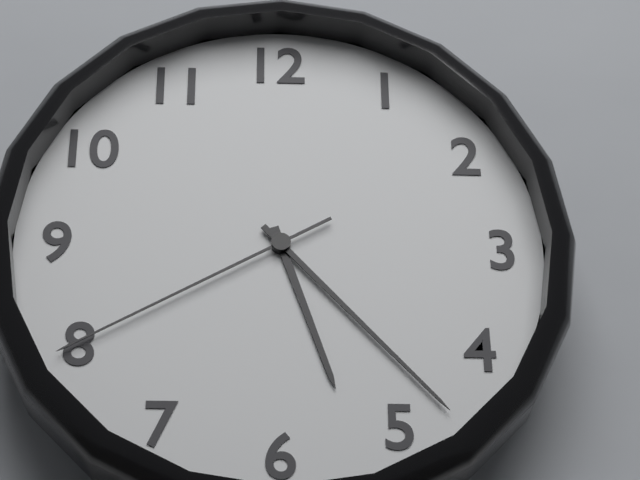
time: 5:23:40
